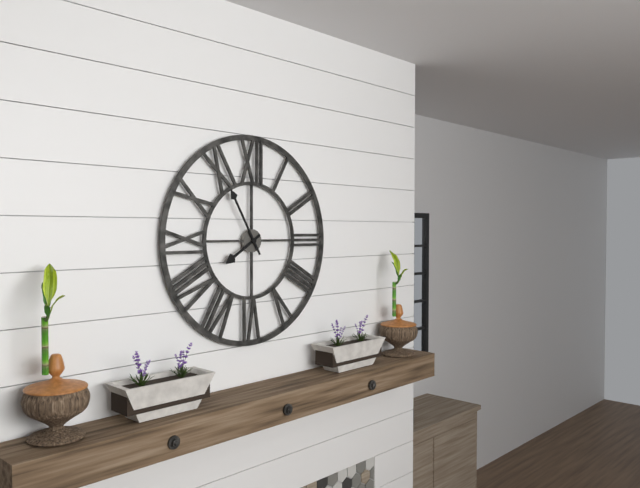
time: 7:55
